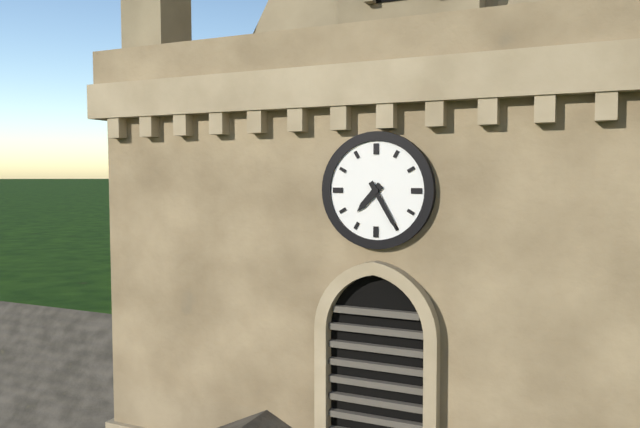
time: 7:25
